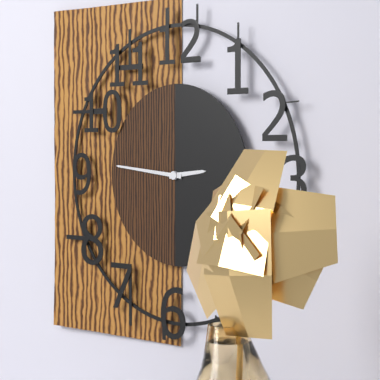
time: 2:46
